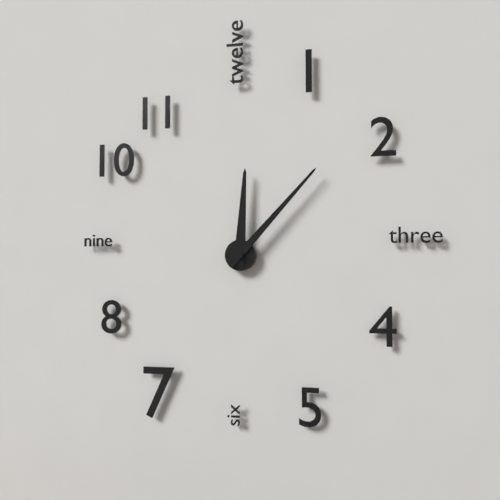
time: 12:07
